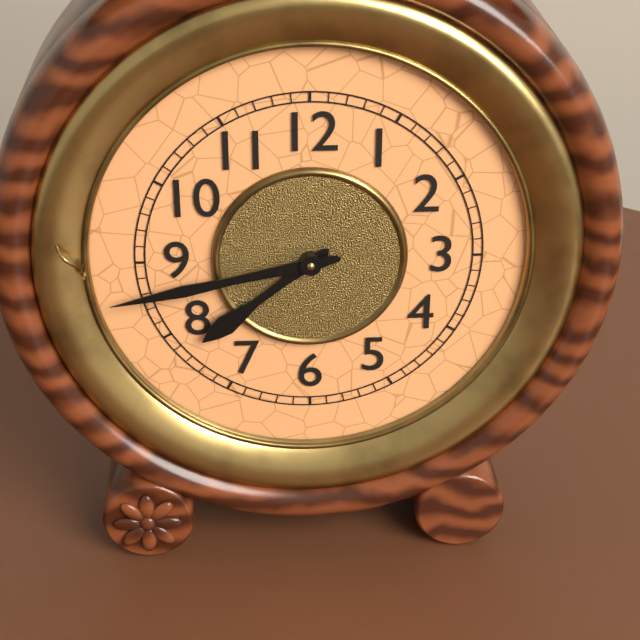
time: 7:43
